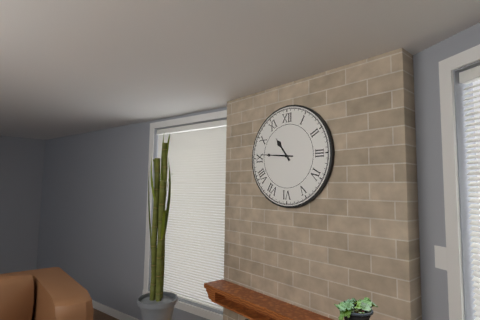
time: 10:46
